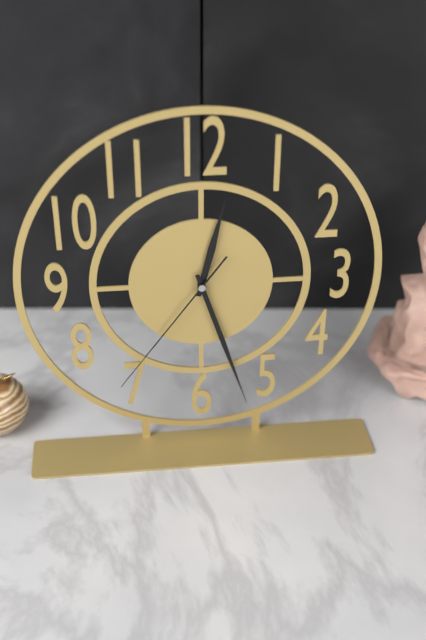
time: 12:27:36
